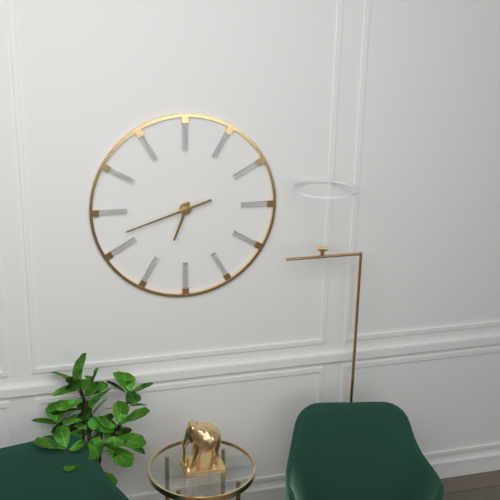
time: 6:42
